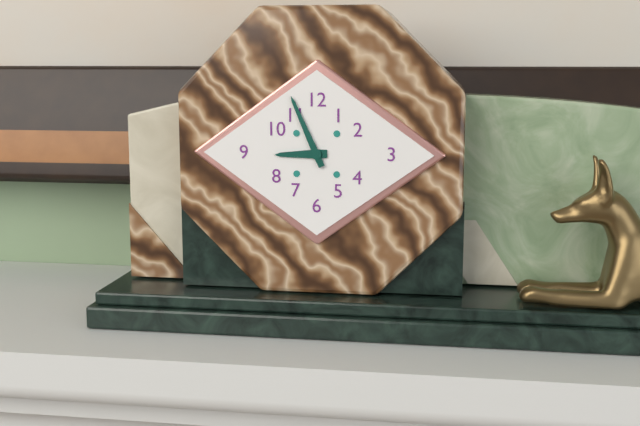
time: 8:56
